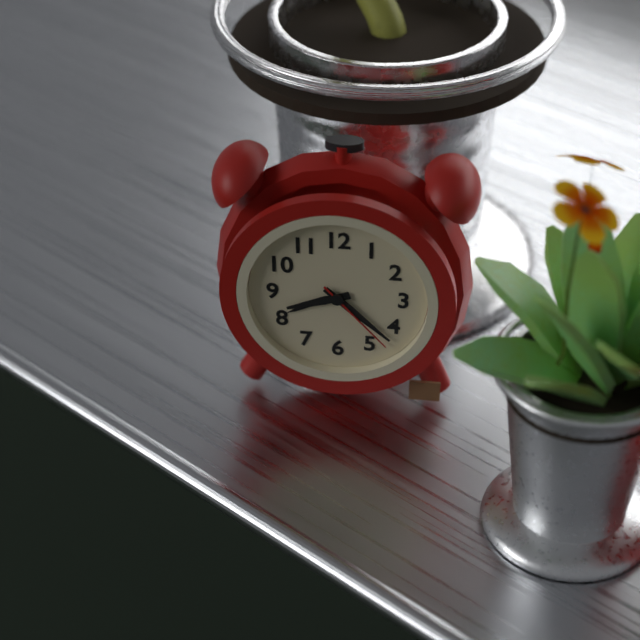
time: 8:22:23
